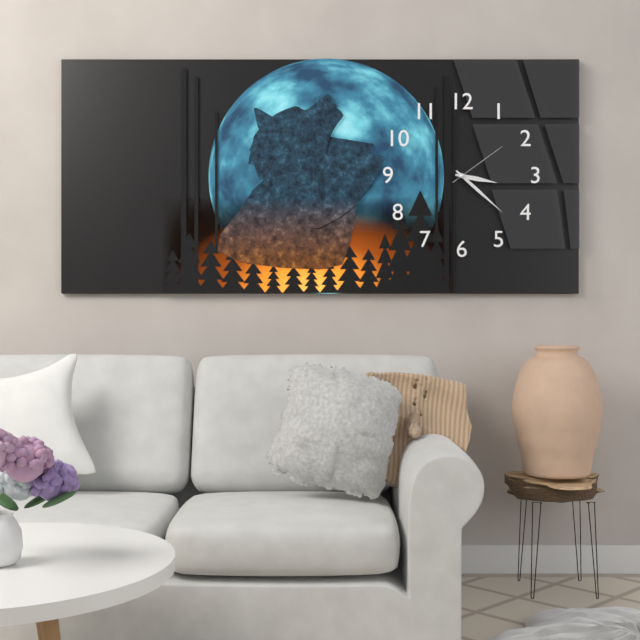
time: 3:22:09
